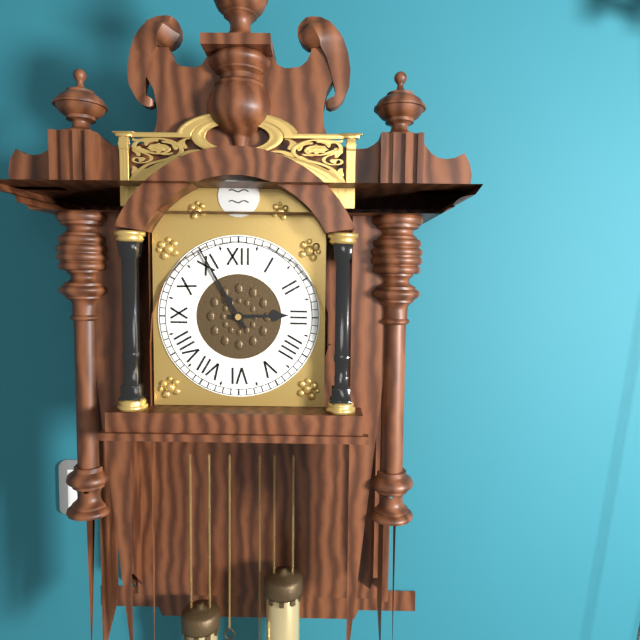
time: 2:55
